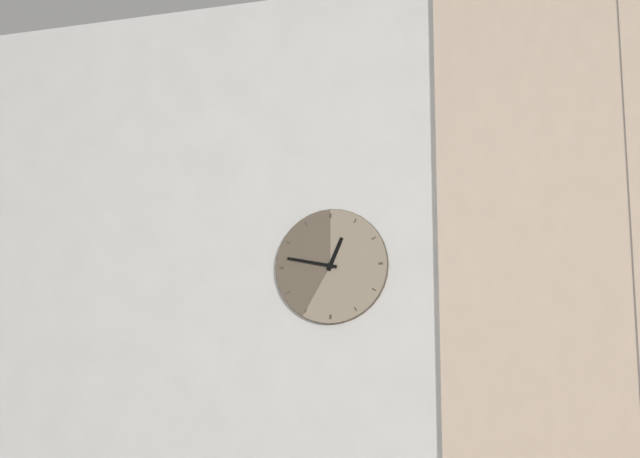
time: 12:47
